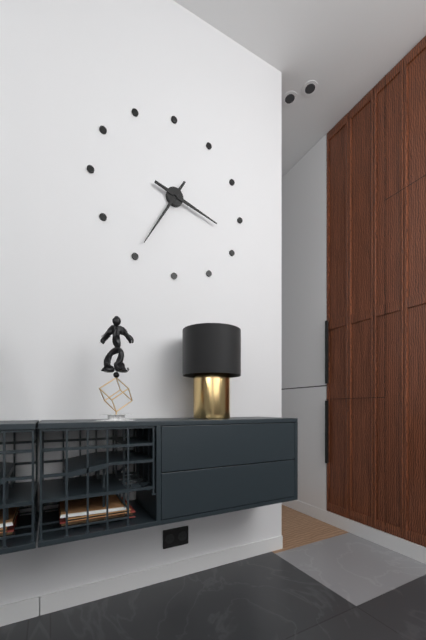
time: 3:35
